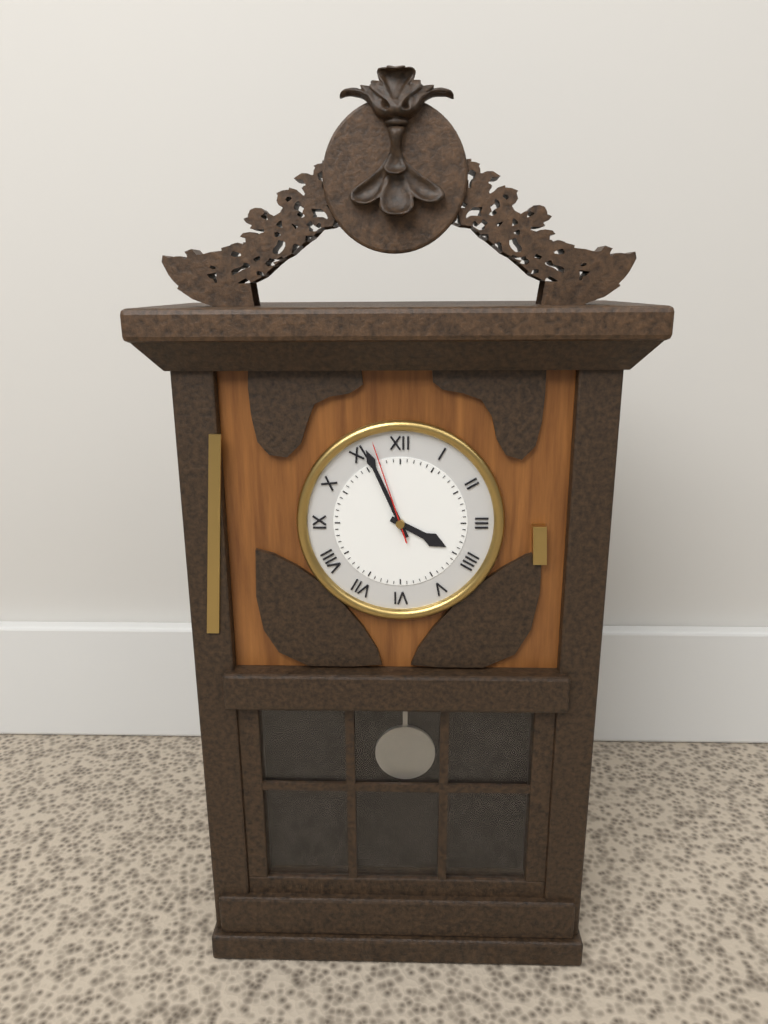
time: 3:56:57
